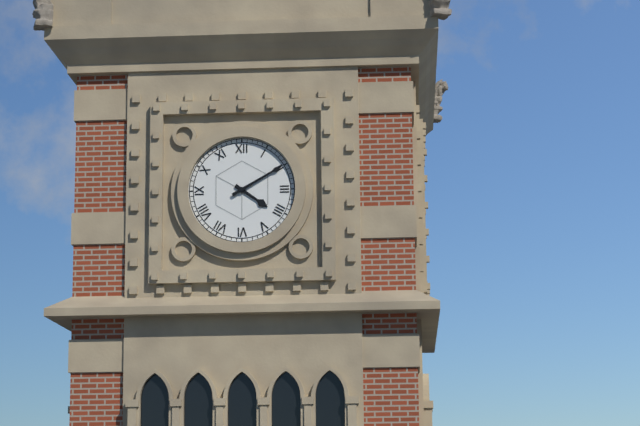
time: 4:10
